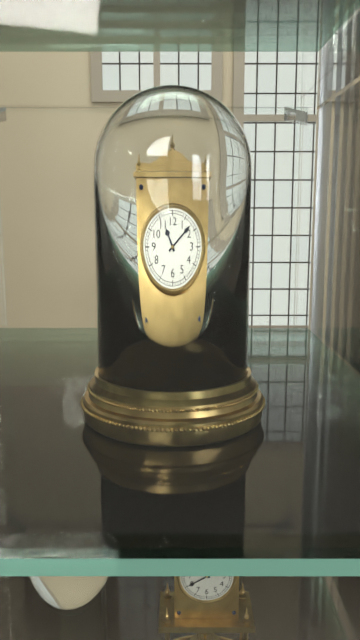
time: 11:08
